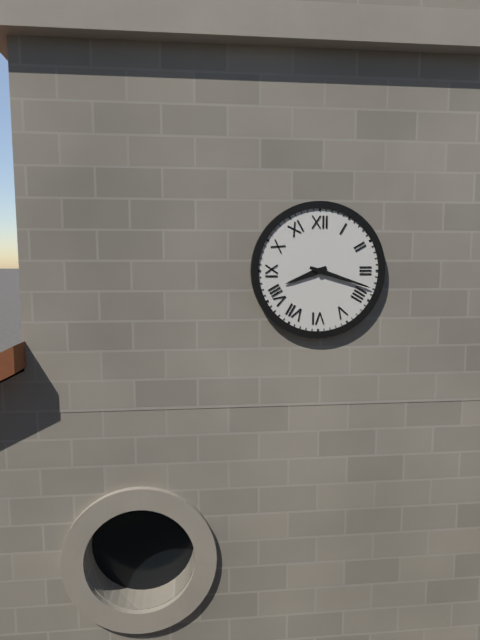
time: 8:18
